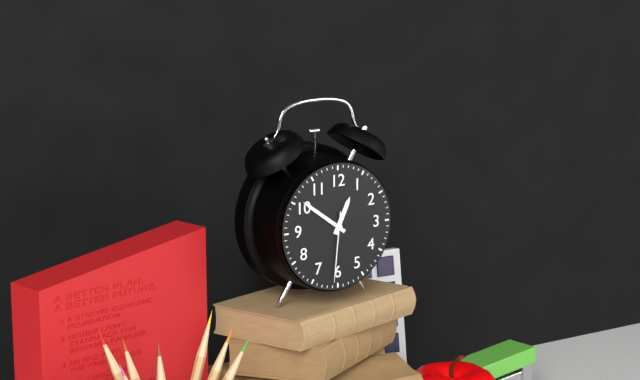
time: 12:51:31
